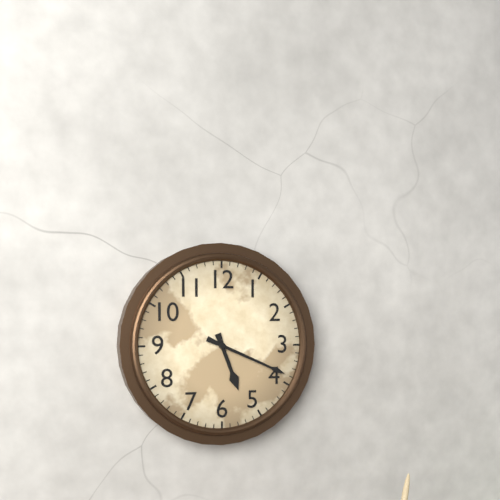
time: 5:19
